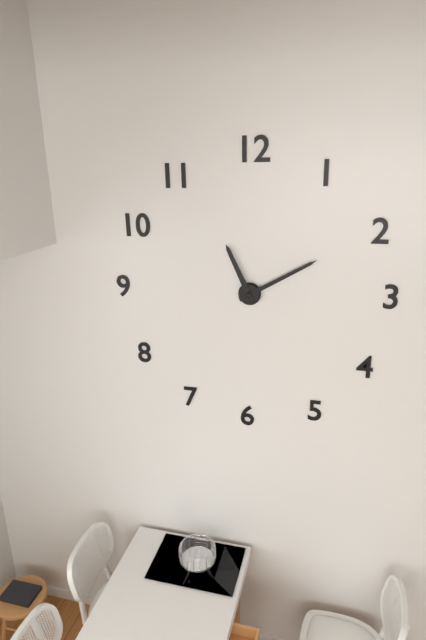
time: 11:10
